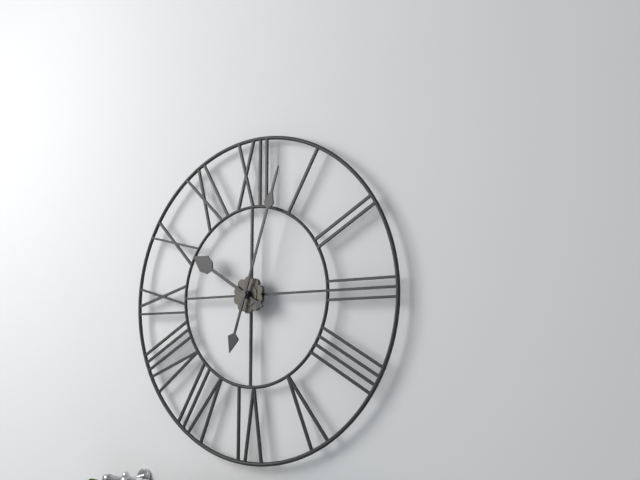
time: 10:03
